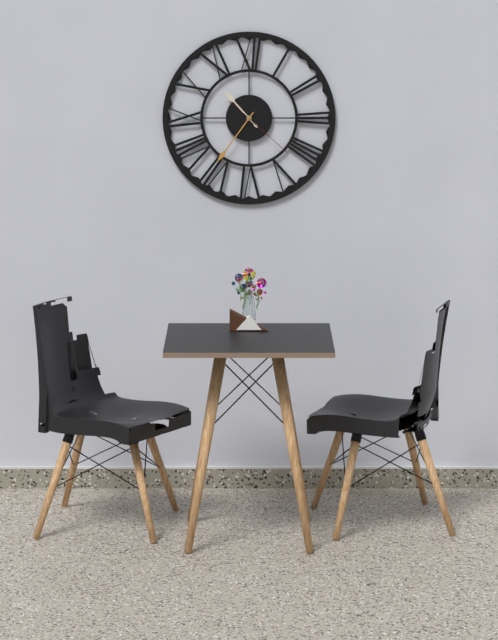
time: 10:36:22
